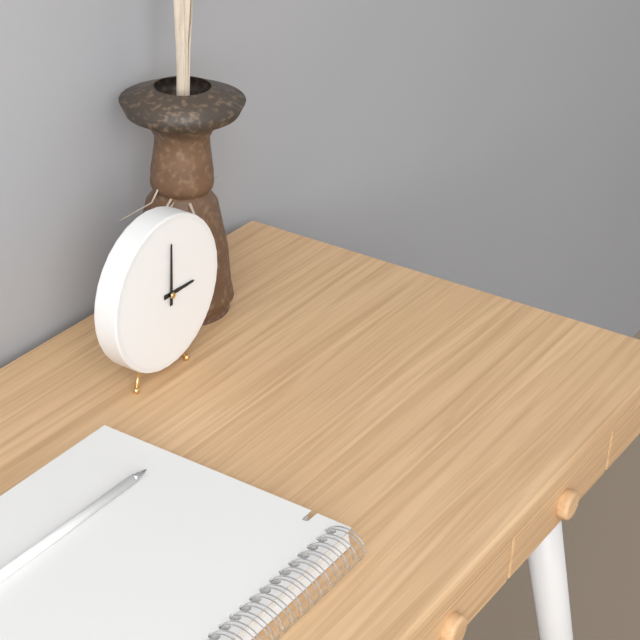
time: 3:00
